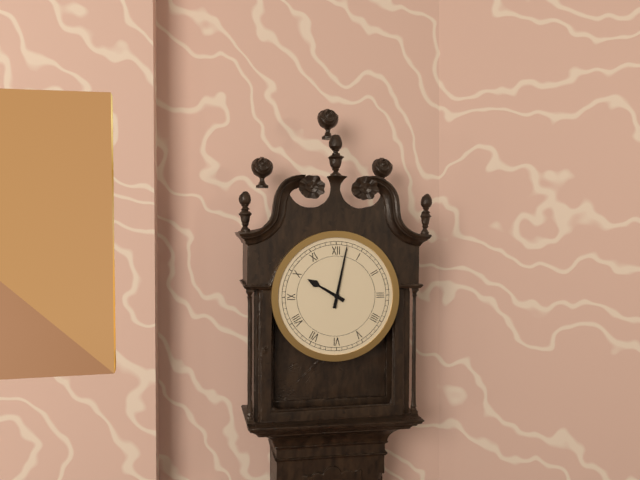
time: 10:02
